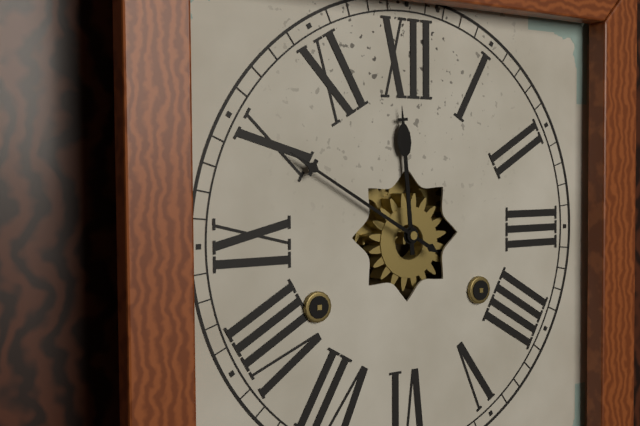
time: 11:50
